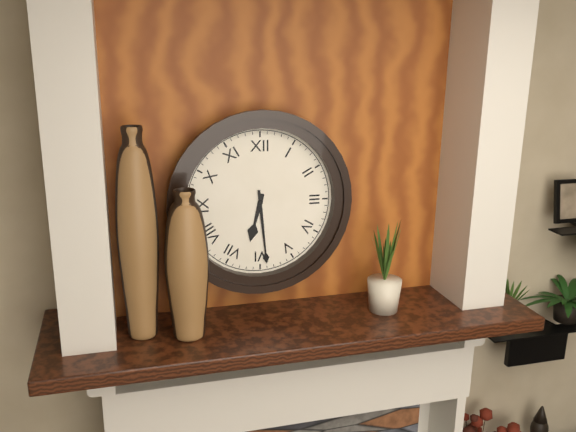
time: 6:29
